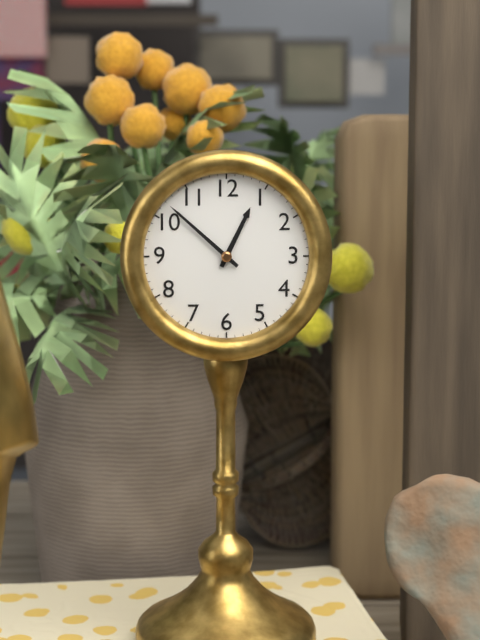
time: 12:52
